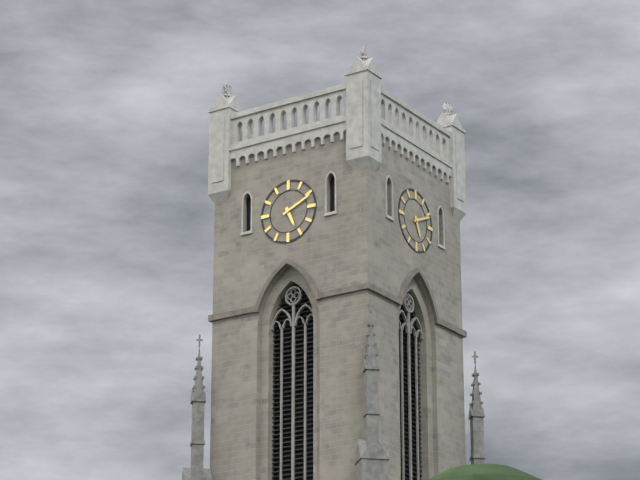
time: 5:11
